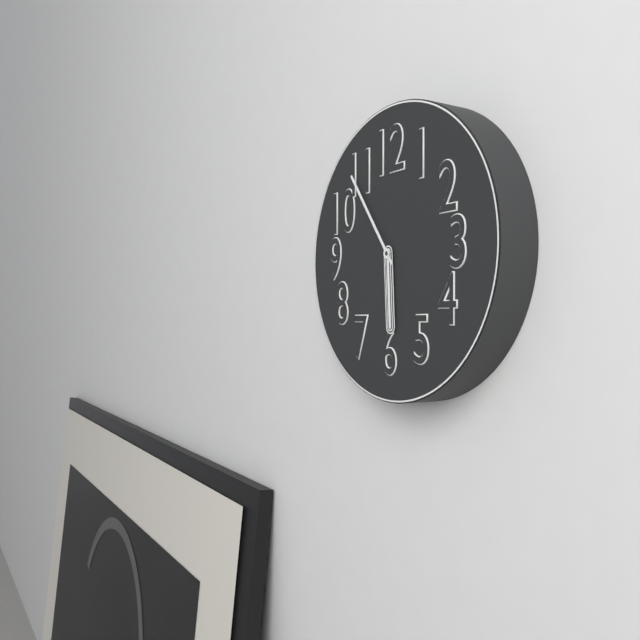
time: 5:54
